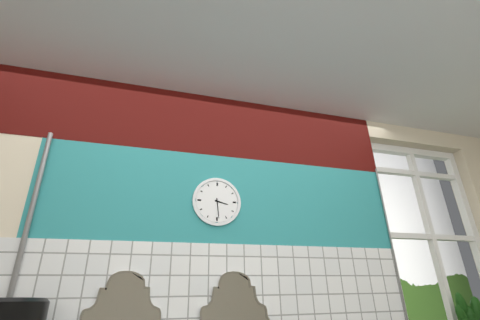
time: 3:29
